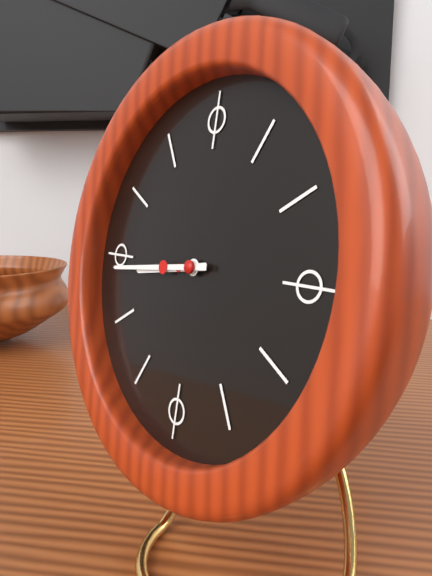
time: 8:44
